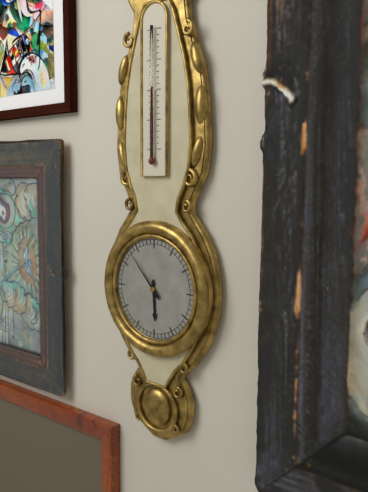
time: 5:53
